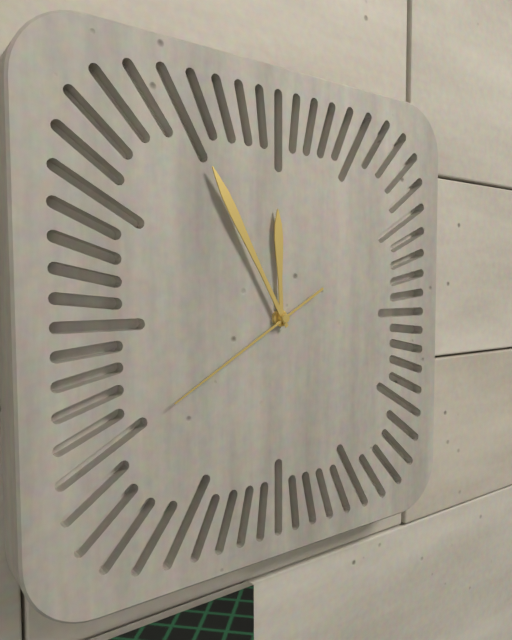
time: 11:55:40
